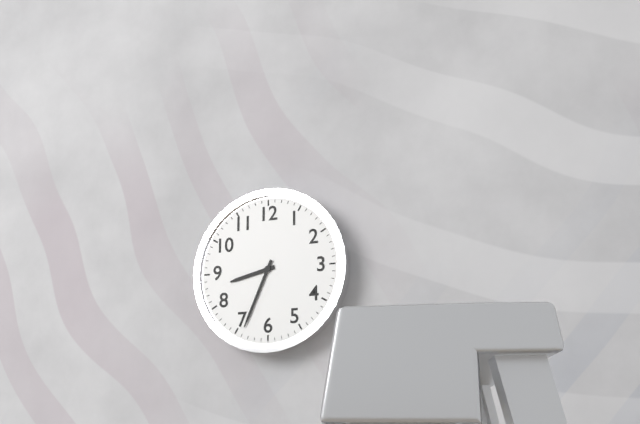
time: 8:34
